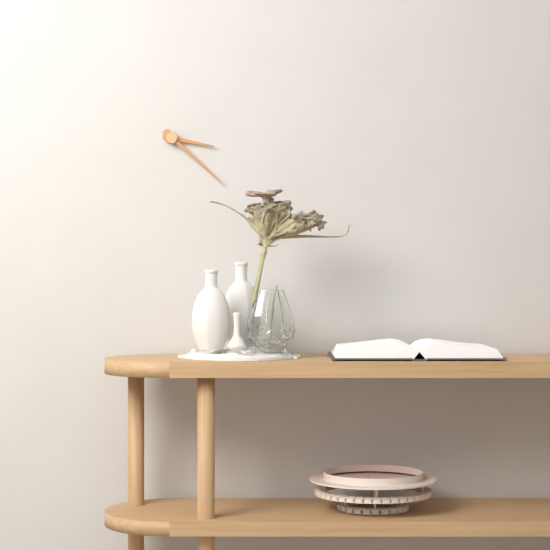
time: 3:22
